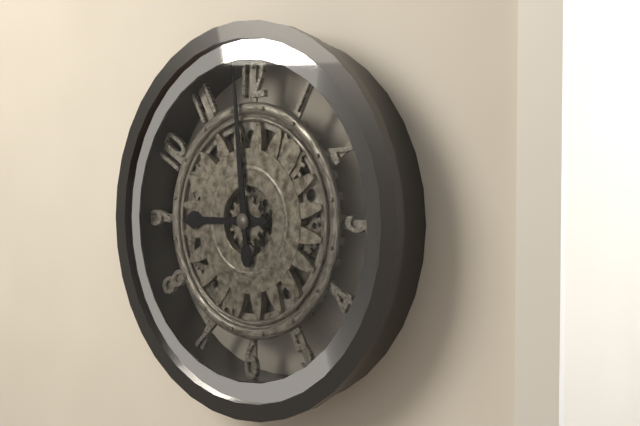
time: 8:59
